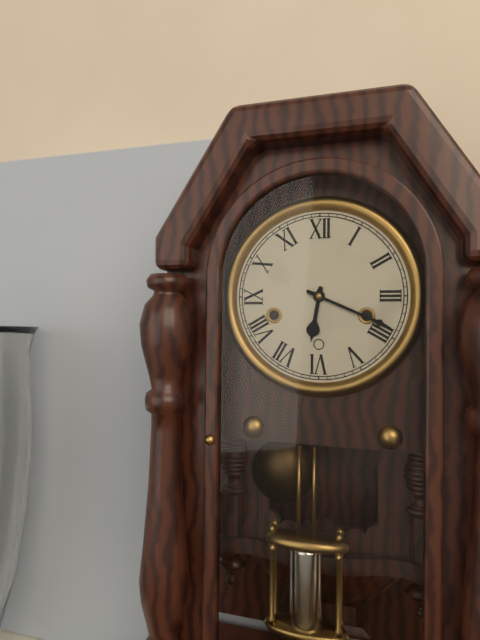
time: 6:19
